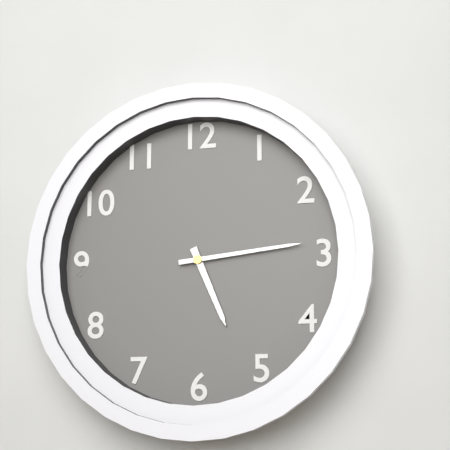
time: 5:14
